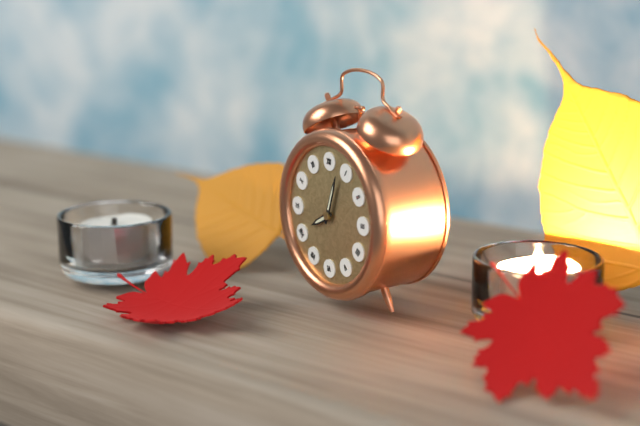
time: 8:03
